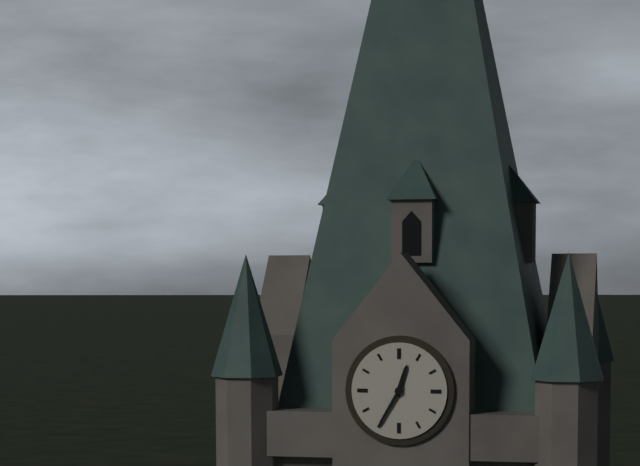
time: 12:35
